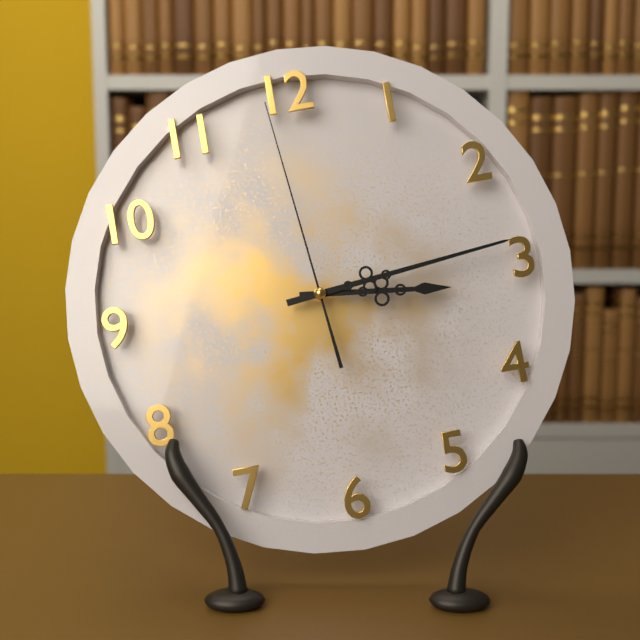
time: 3:14:59
